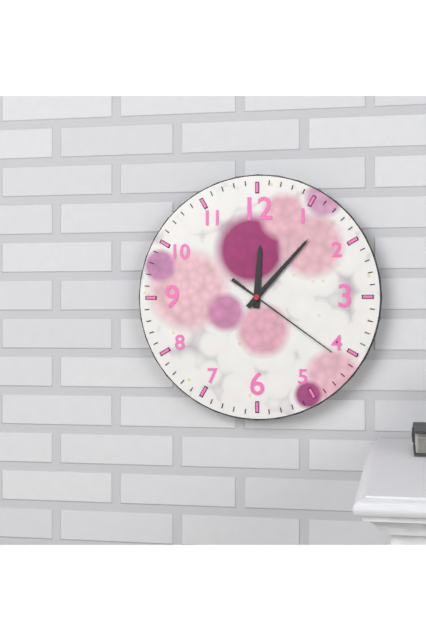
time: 12:07:21
